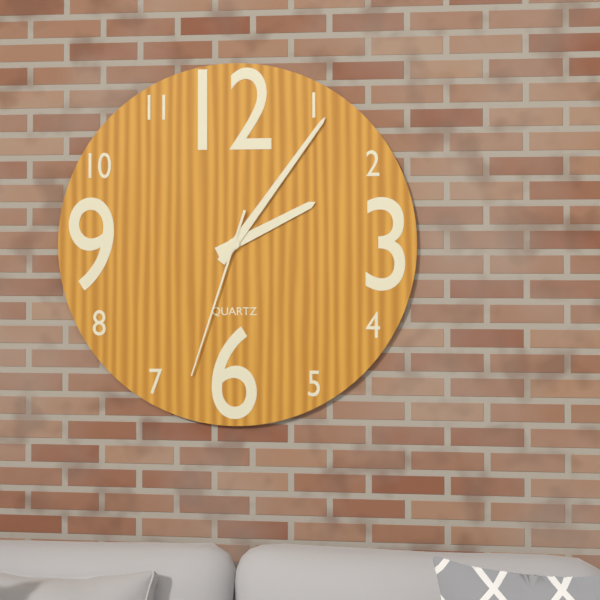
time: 2:06:33
